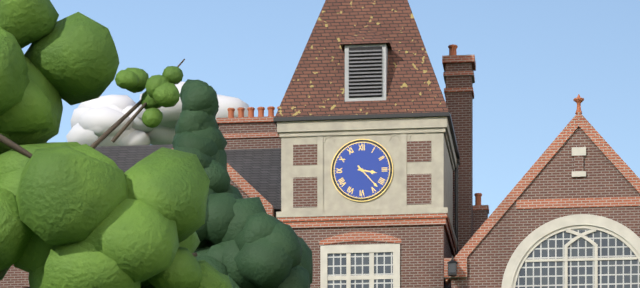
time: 3:23
